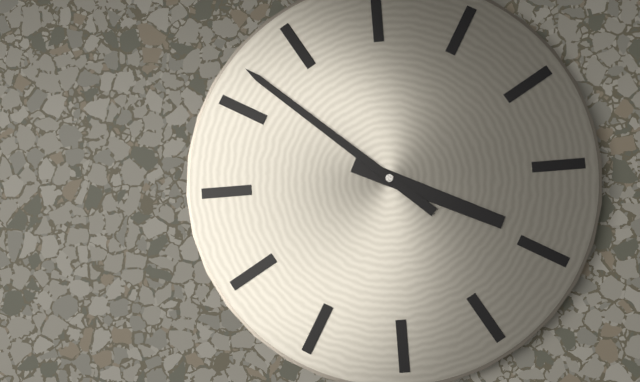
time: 3:52
